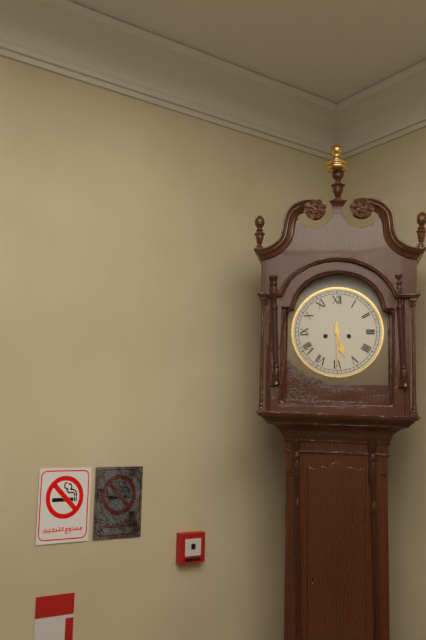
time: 5:30
